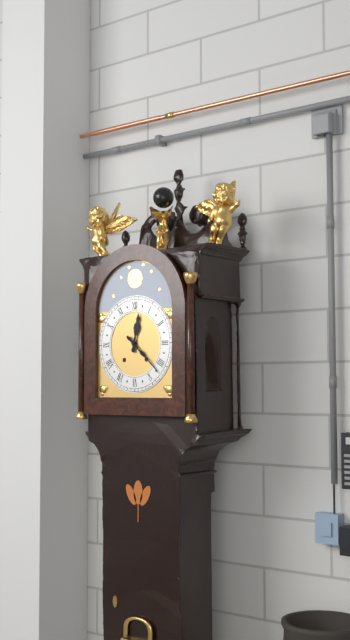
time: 12:22
